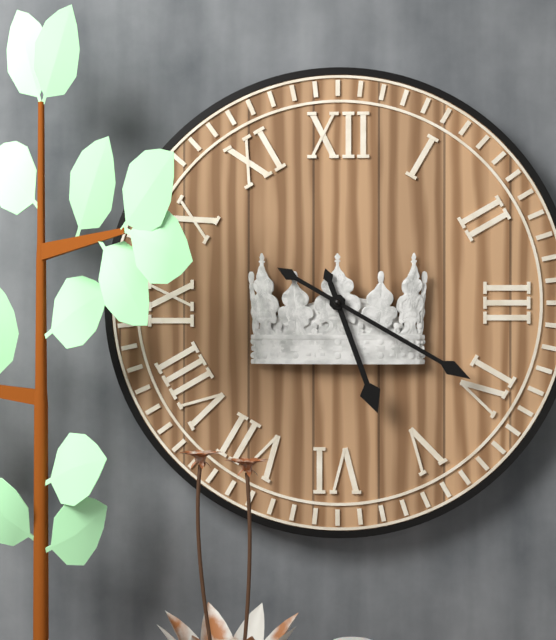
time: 5:20
